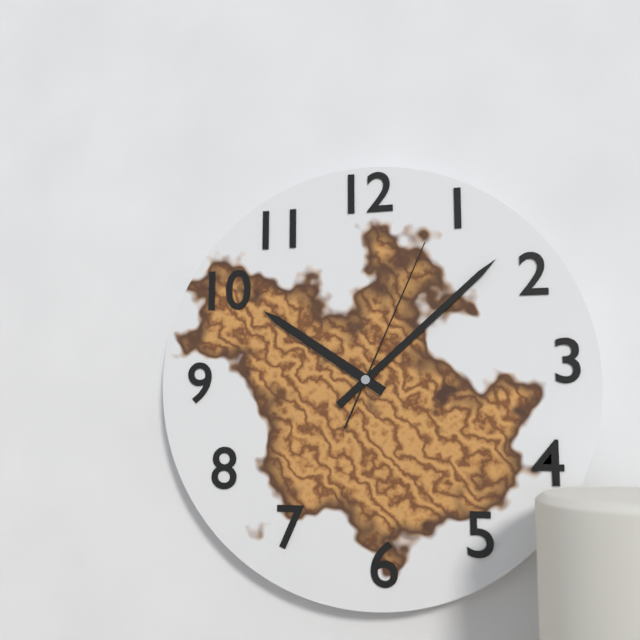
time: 10:08:04
